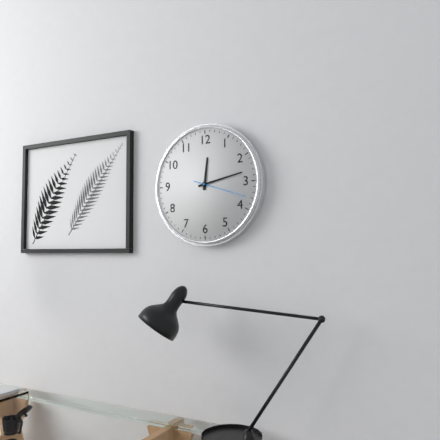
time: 12:13:18
